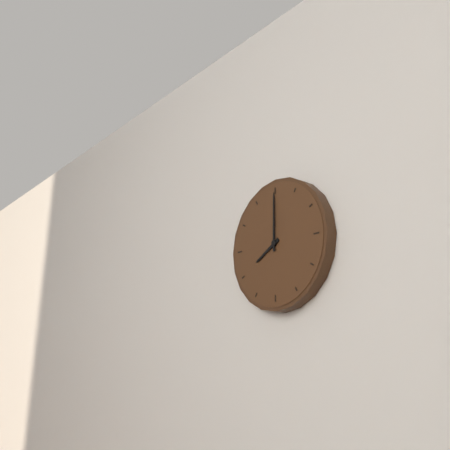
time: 8:00
